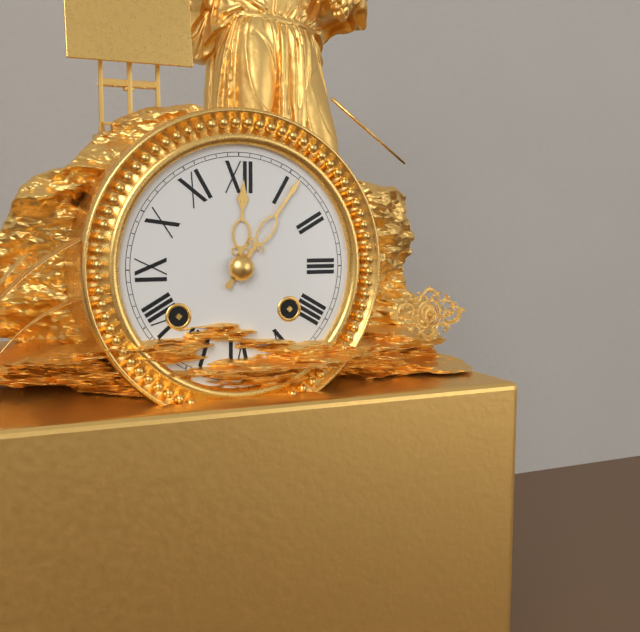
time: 12:06
